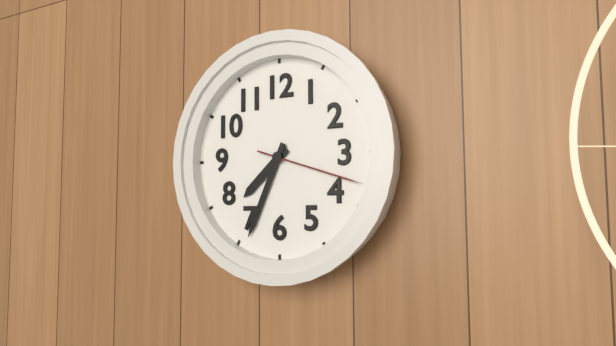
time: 7:34:18
